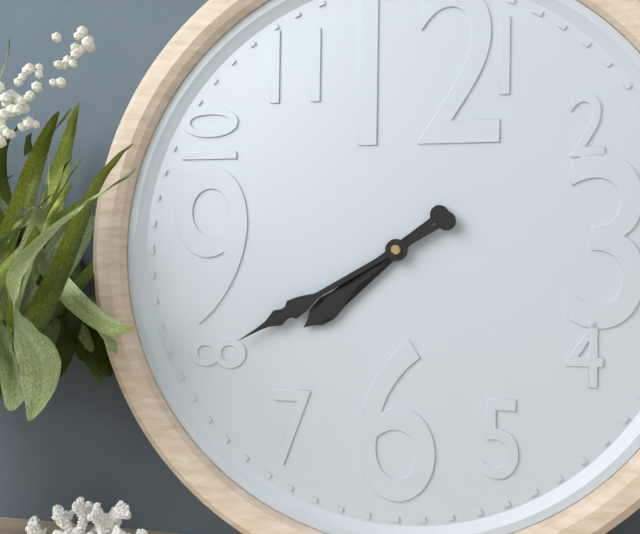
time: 7:40
